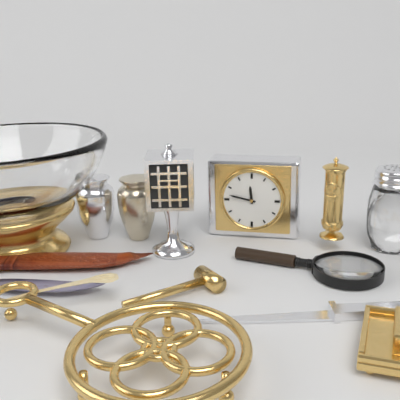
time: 11:47
